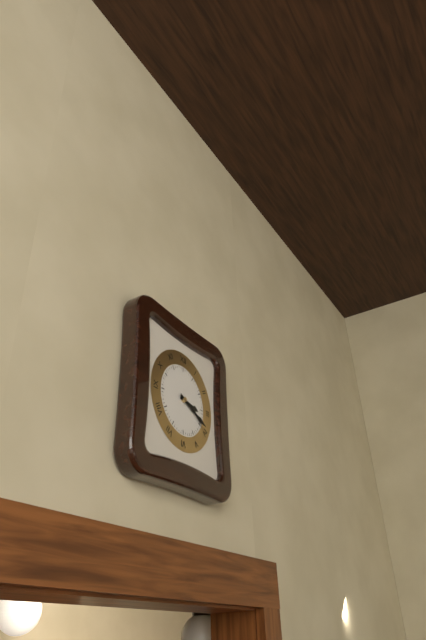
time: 3:19
